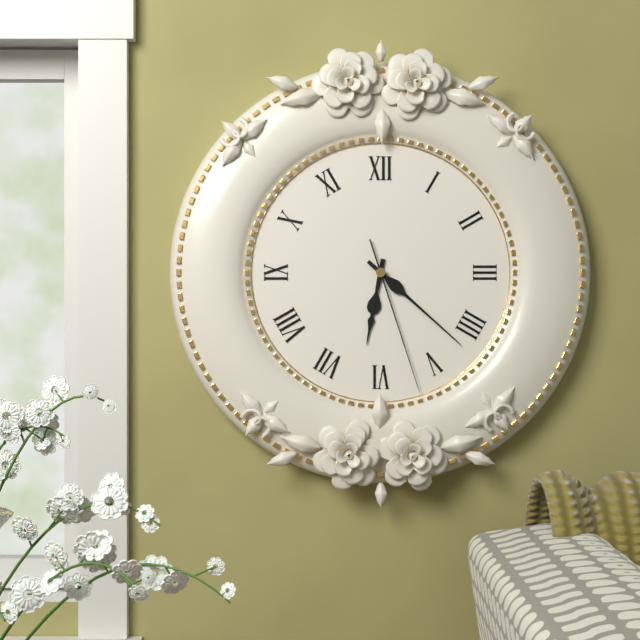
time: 6:22:27
